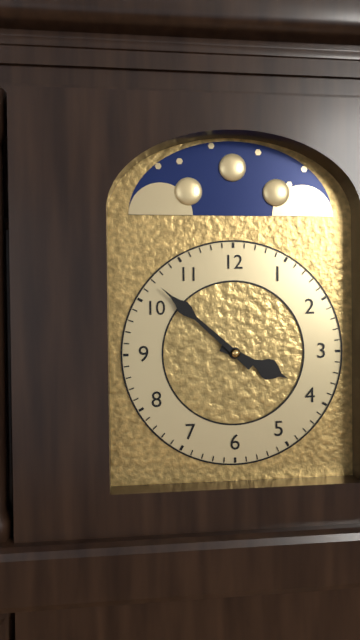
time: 3:52
